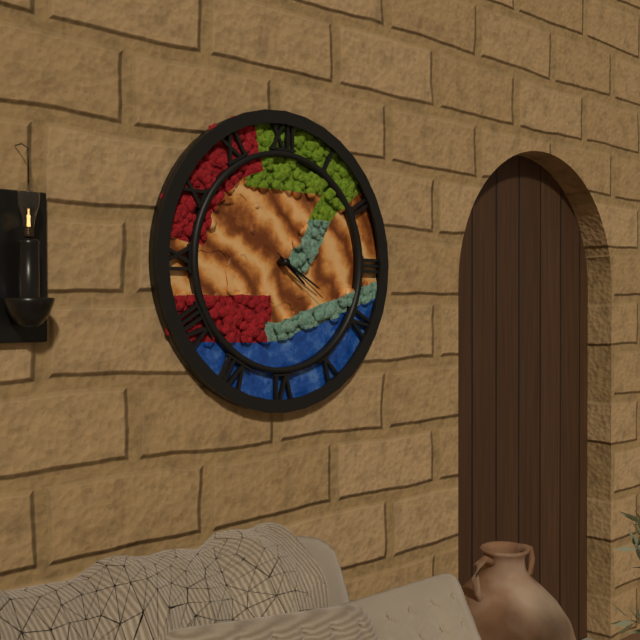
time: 4:20:21
